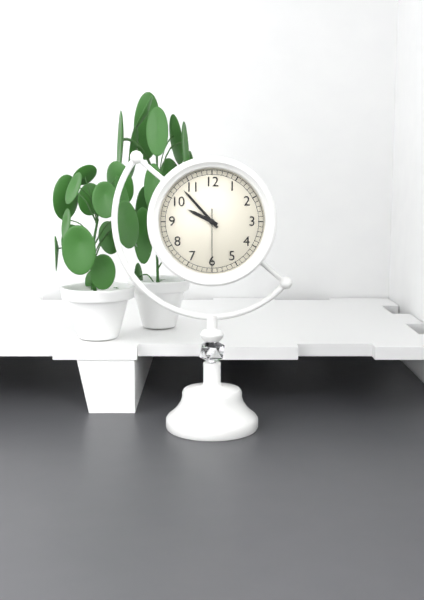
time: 9:53:30
